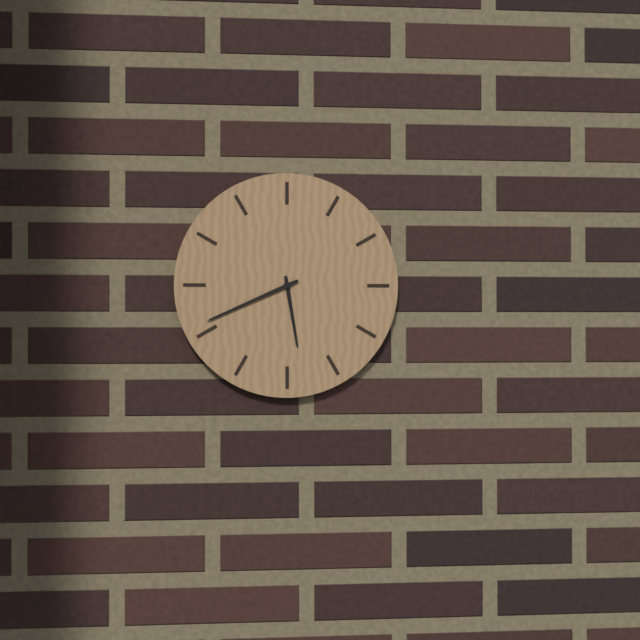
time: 5:41
